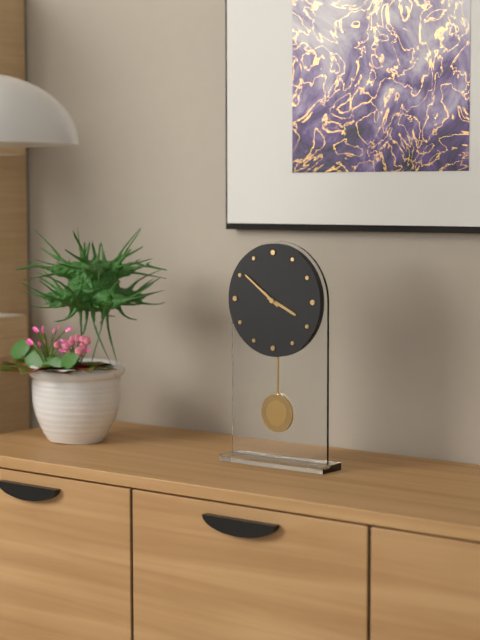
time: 3:51
